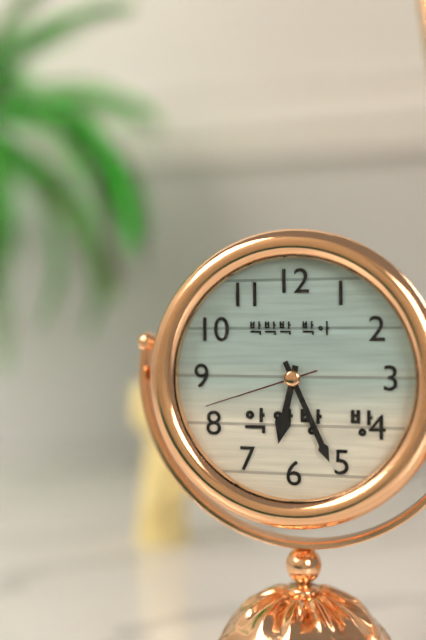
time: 6:26:42
